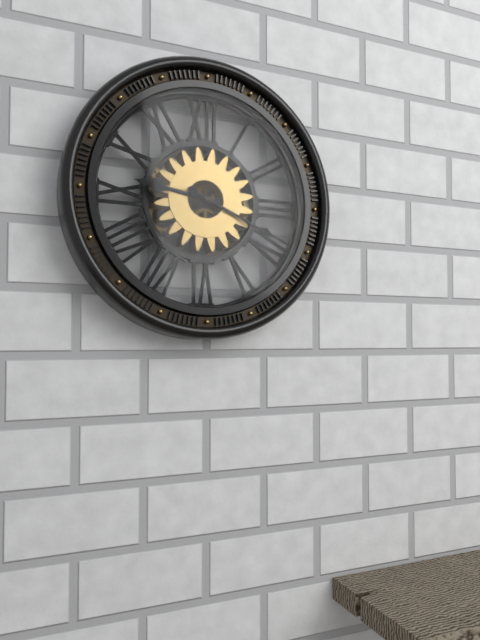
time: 9:19
